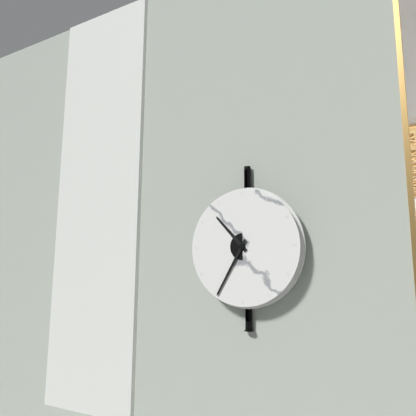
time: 10:35
